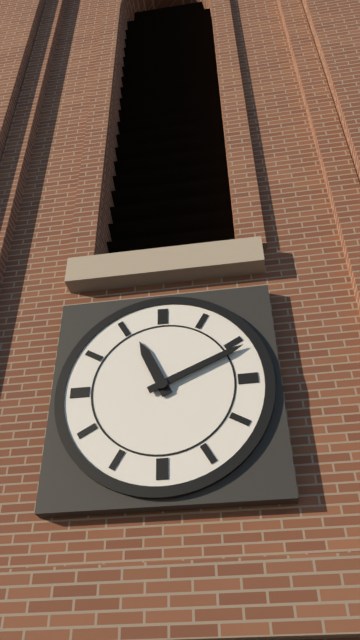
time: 11:11
